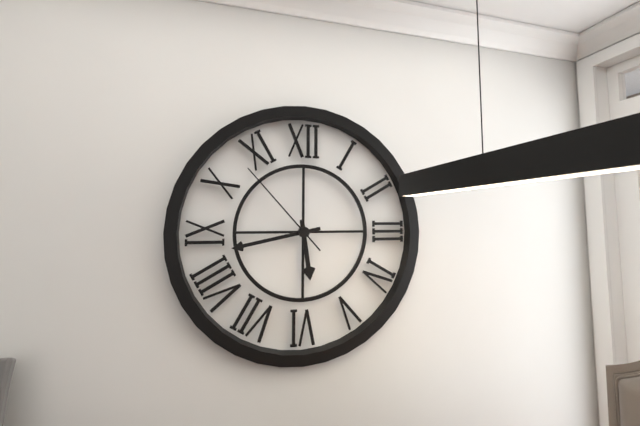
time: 5:43:53
